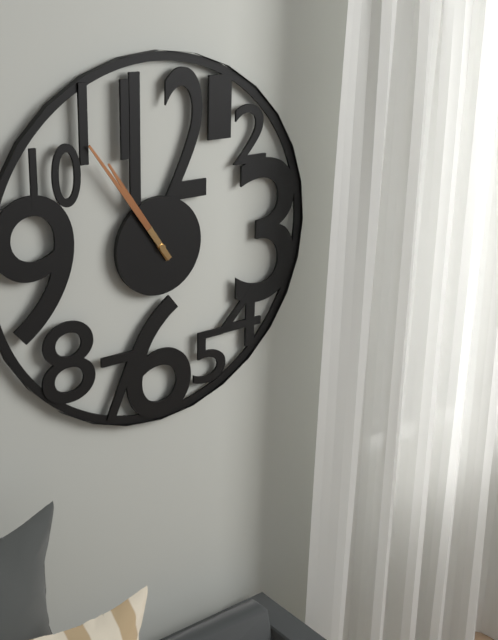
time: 10:54
